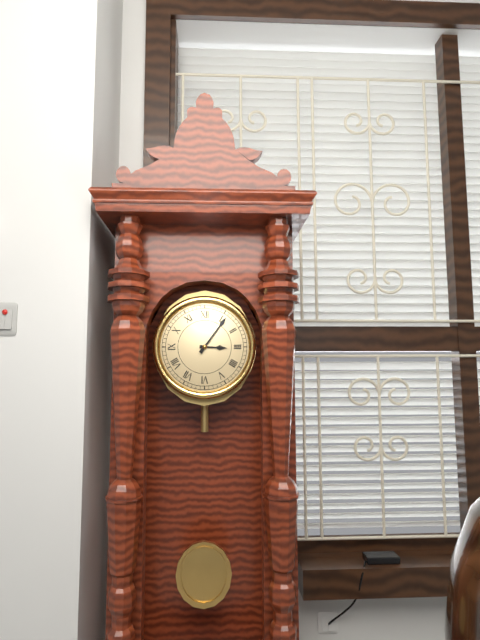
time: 3:06
